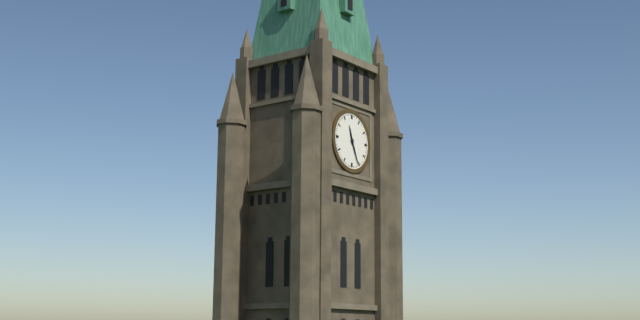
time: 11:26
